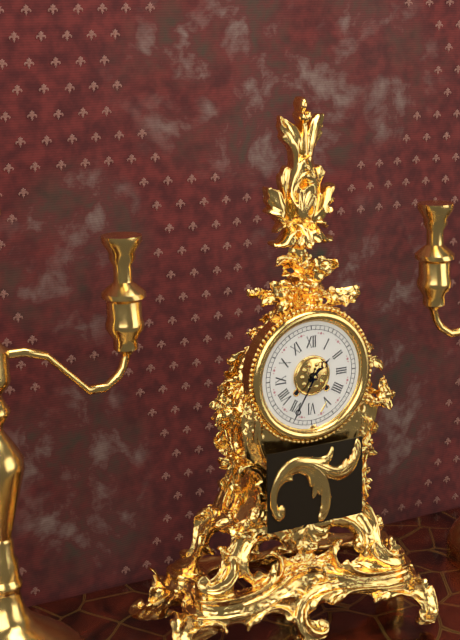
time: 1:35
